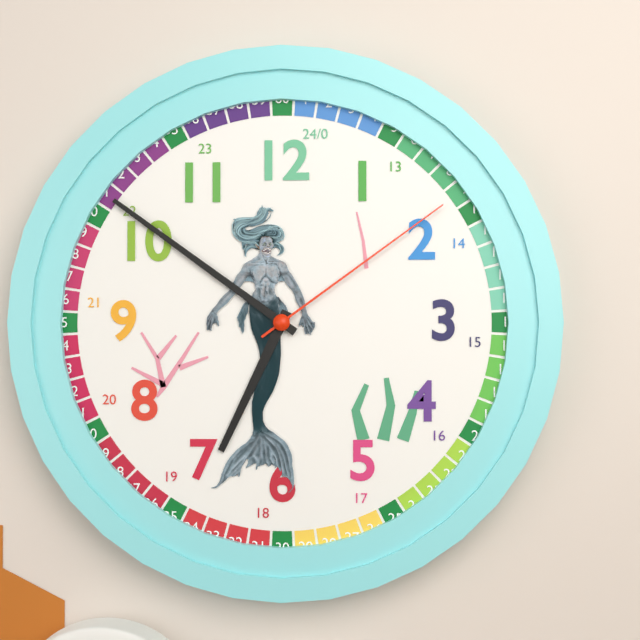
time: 6:51:09
